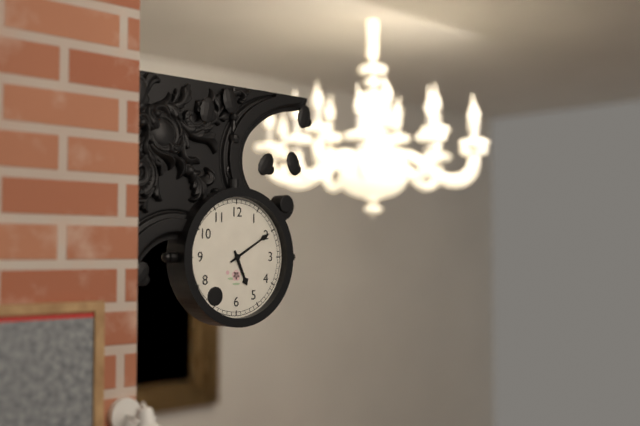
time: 5:10
